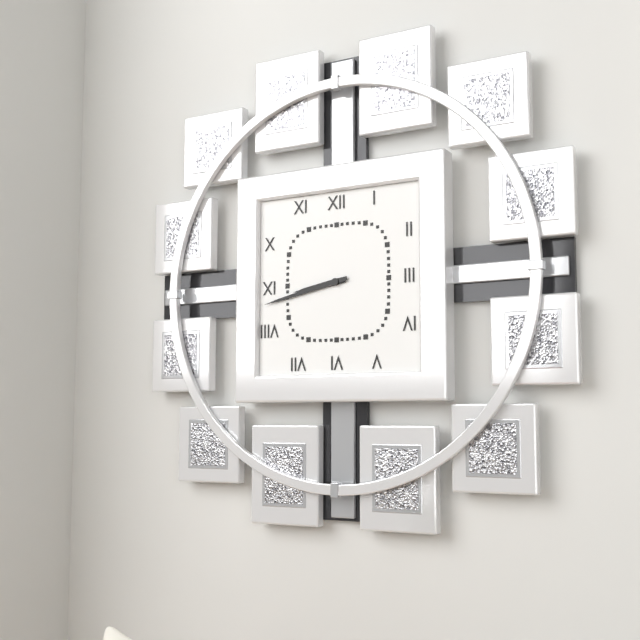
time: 8:43
